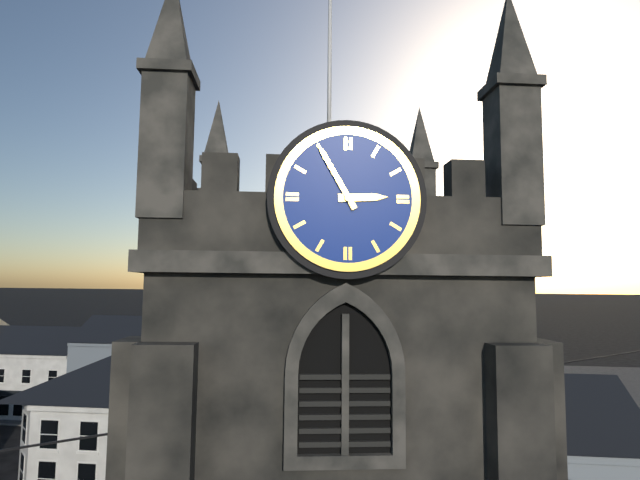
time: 2:55
